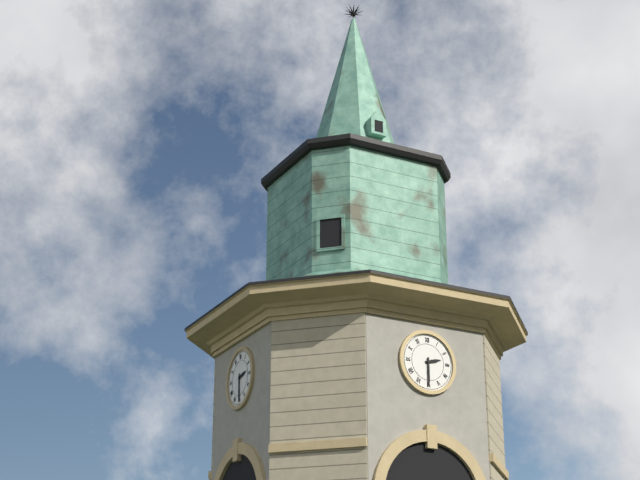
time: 2:30
